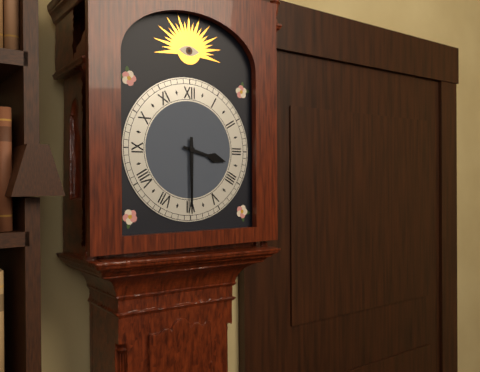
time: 3:30
